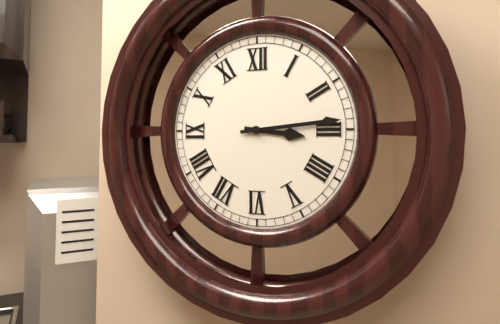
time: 3:14
